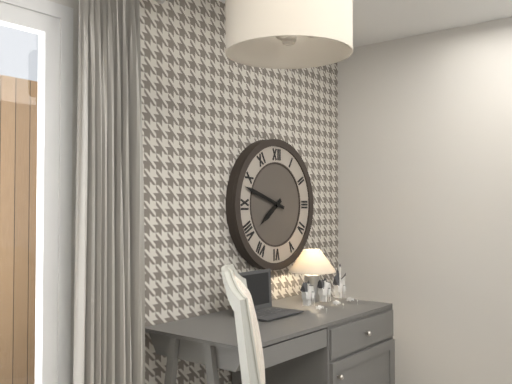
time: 7:48
